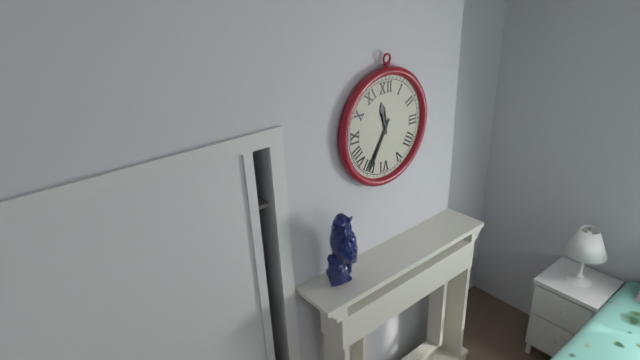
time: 11:35
